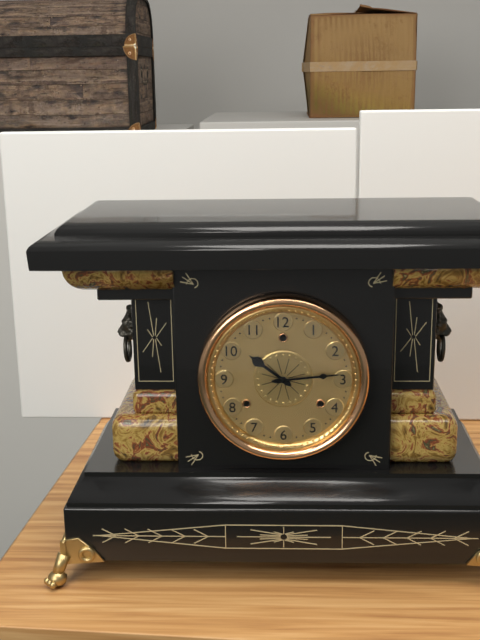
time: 10:14
